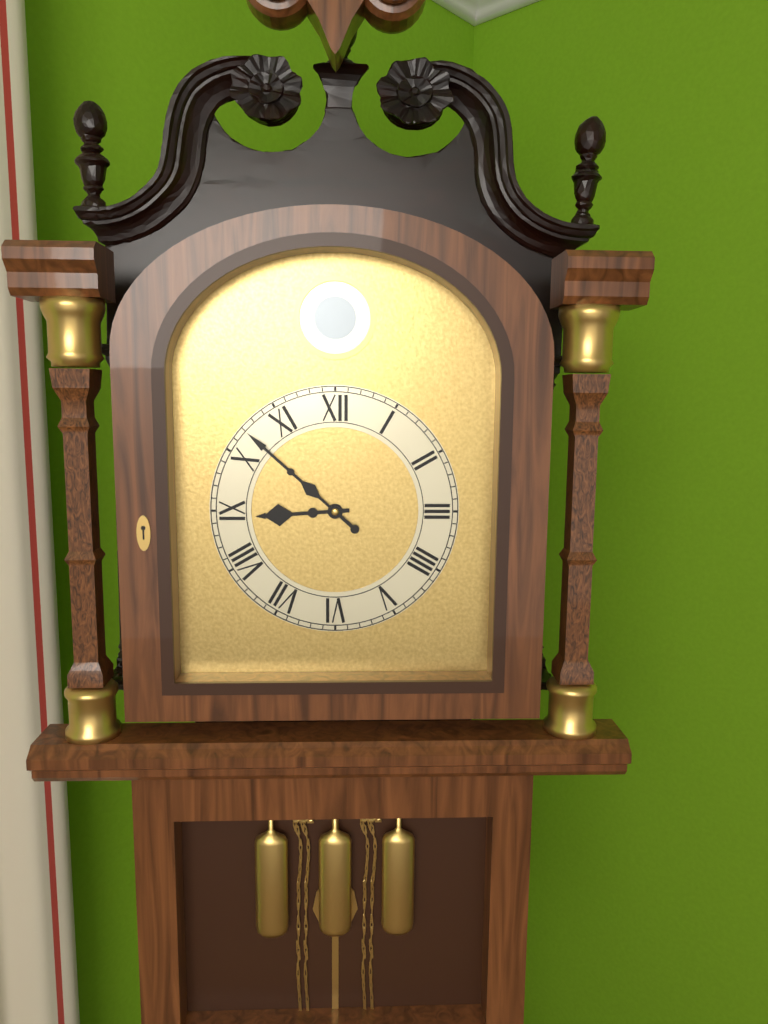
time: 8:52
